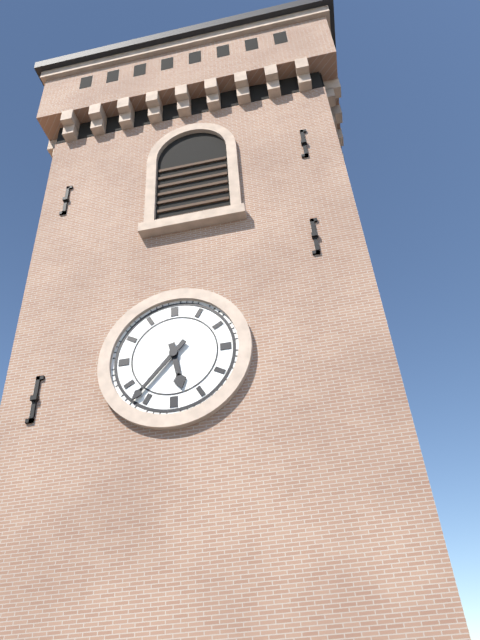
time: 5:37
